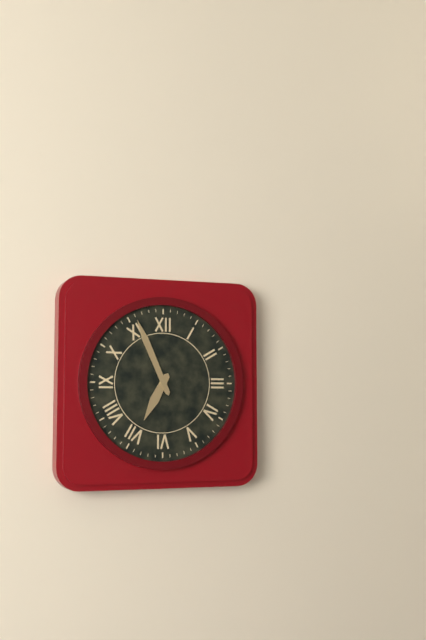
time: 6:56
